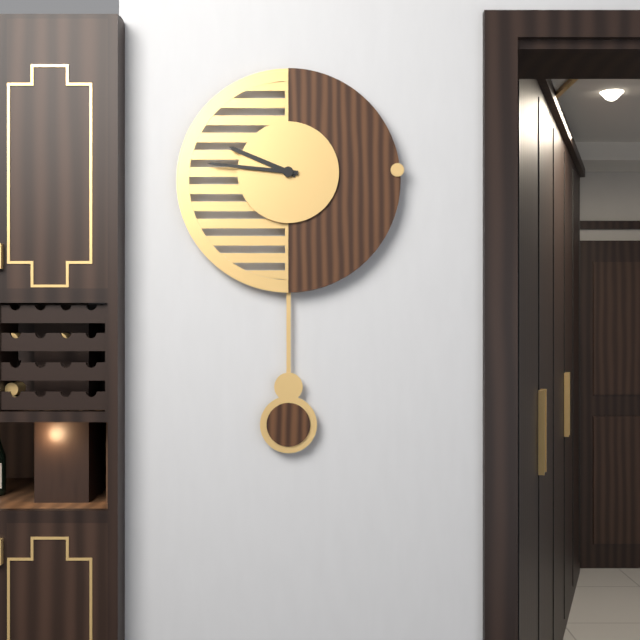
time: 9:46
